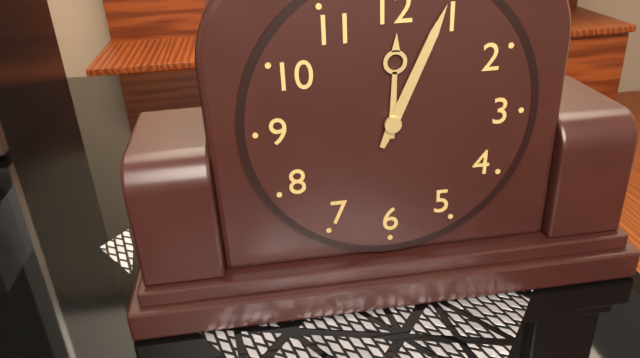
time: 12:04
